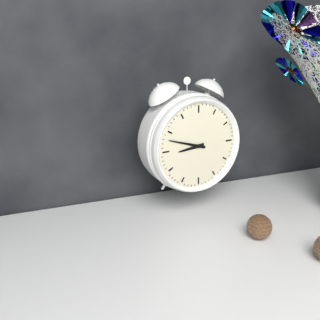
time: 8:48
